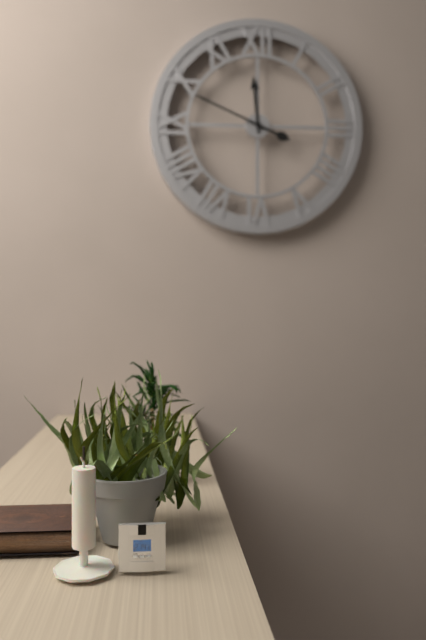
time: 11:49
